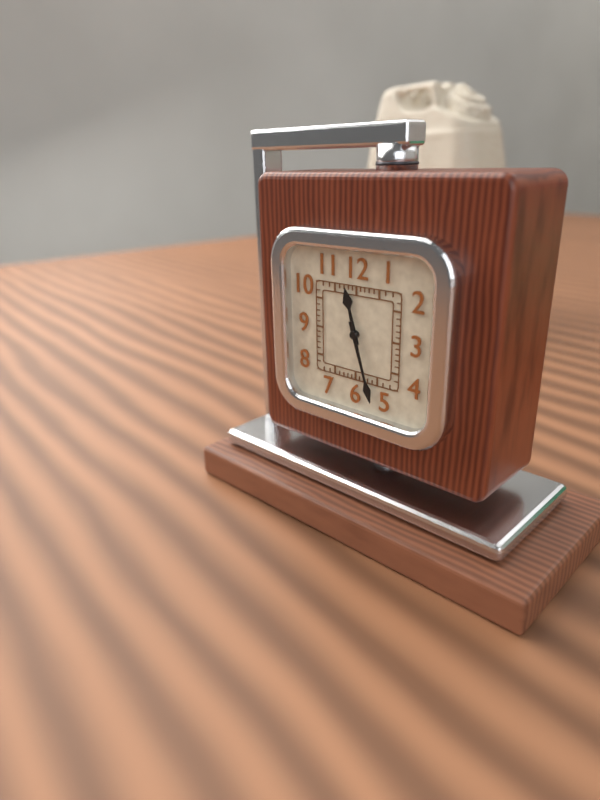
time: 11:27
